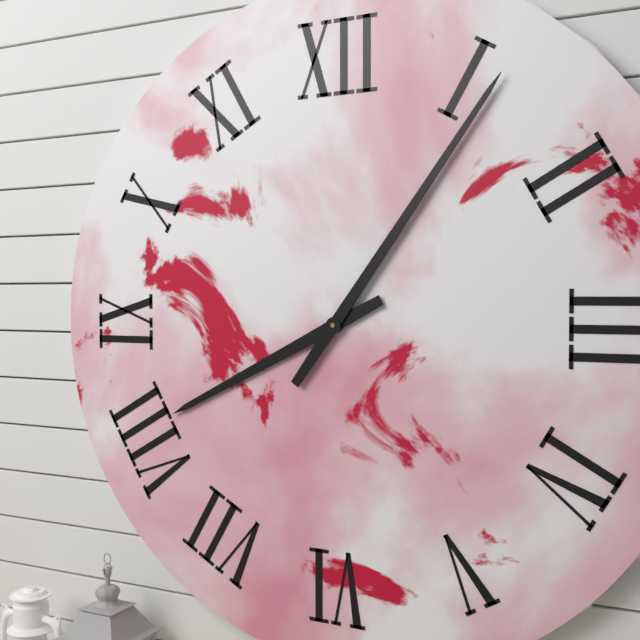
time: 8:06
